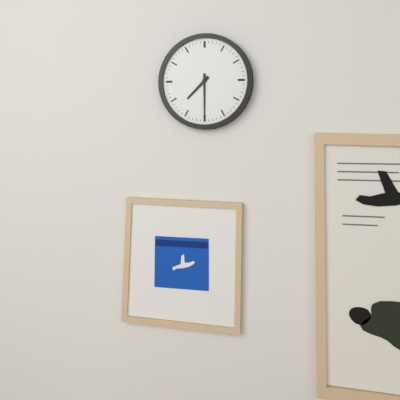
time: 7:30
